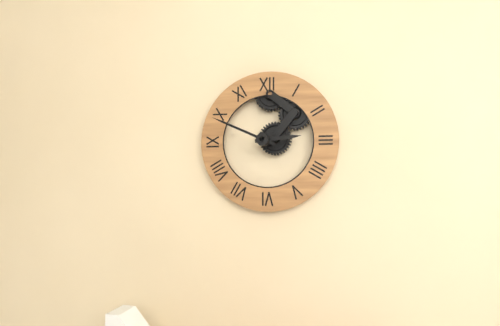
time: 2:49
